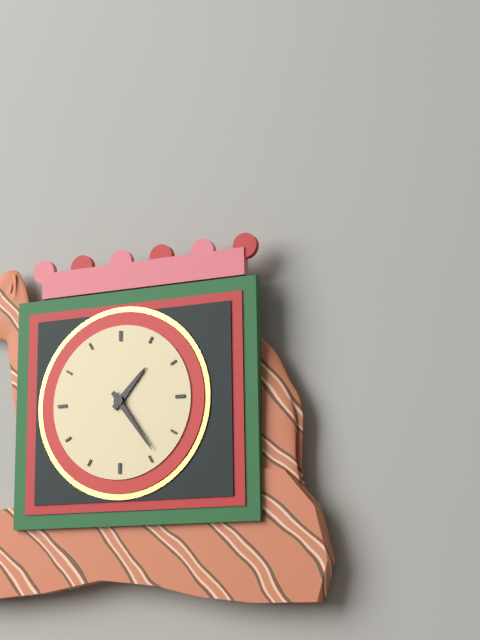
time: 1:24
